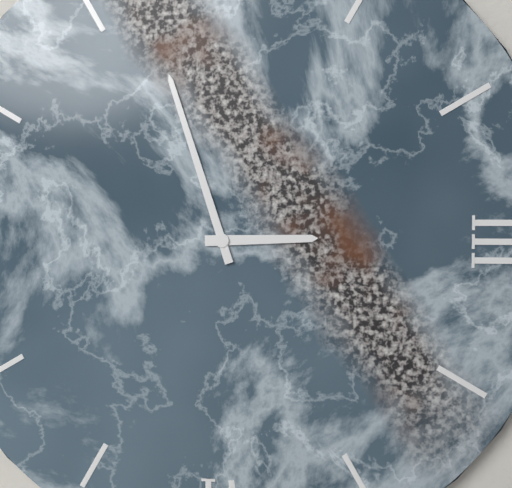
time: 2:57
